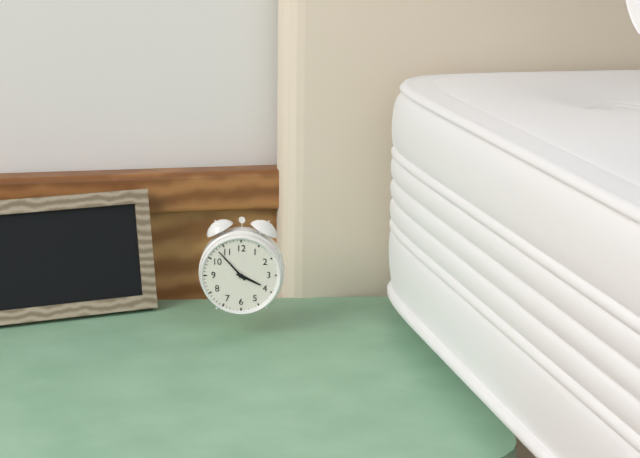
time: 3:53
